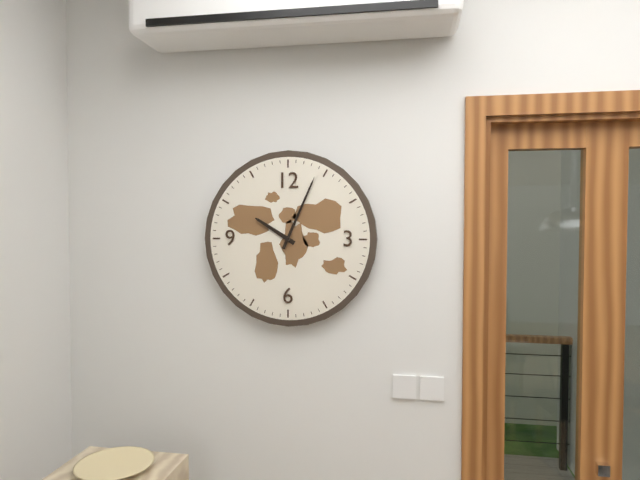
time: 10:04
